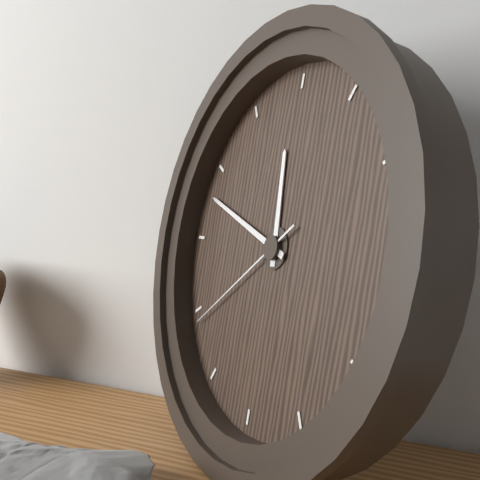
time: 11:48:39
